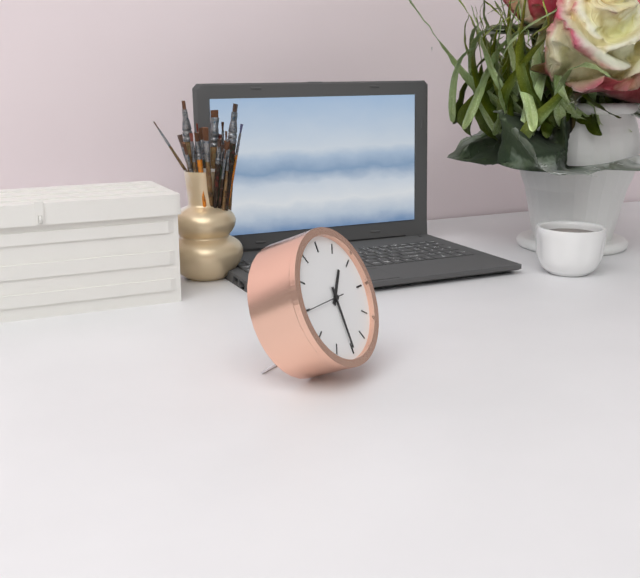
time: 1:30
